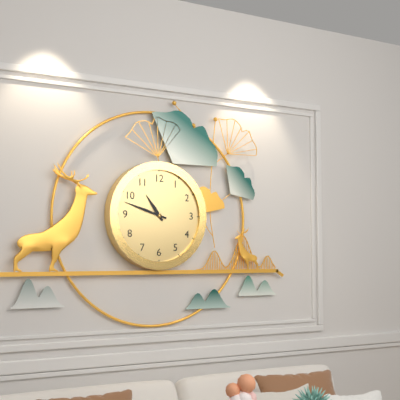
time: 10:48
